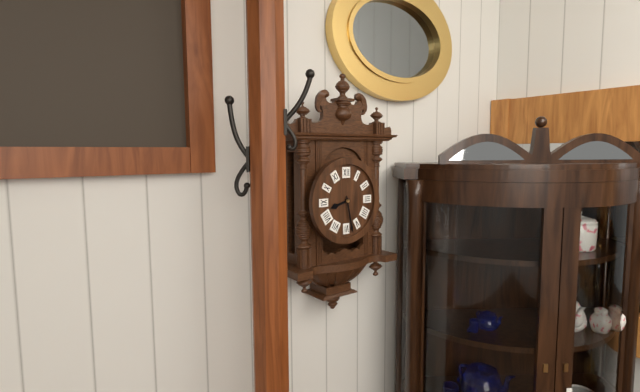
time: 8:28
